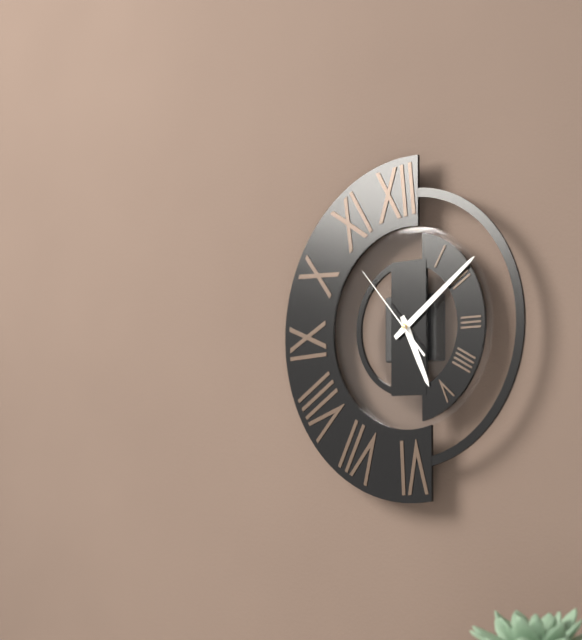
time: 5:09:53
